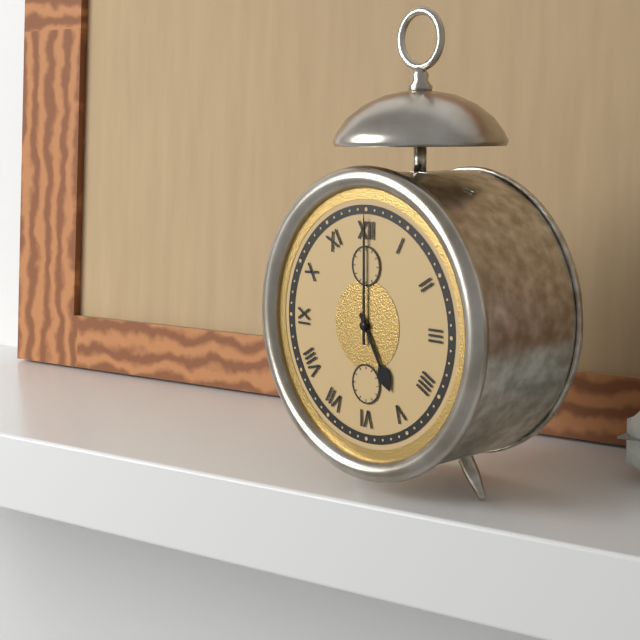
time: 5:00
